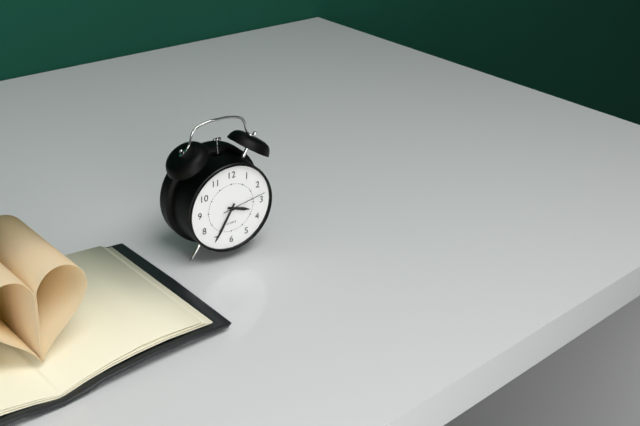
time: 3:35
